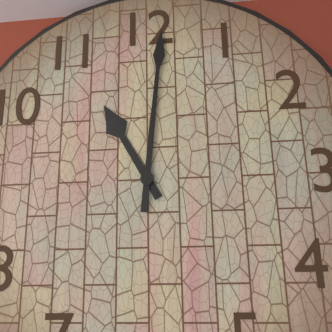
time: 11:01
